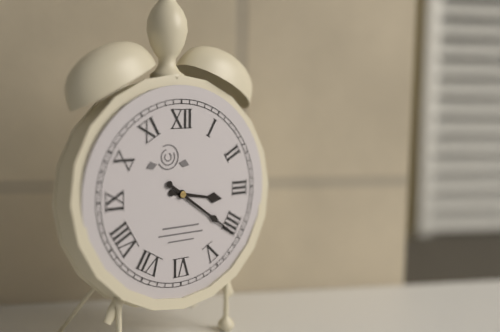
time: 3:21
